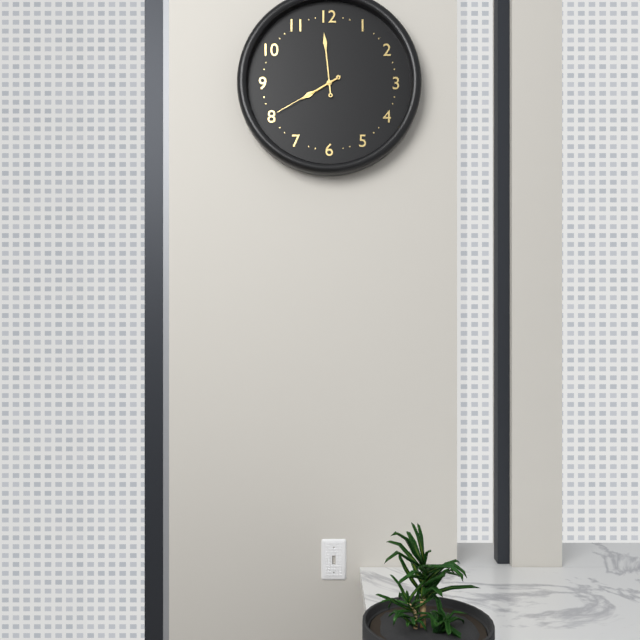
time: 7:59:40
